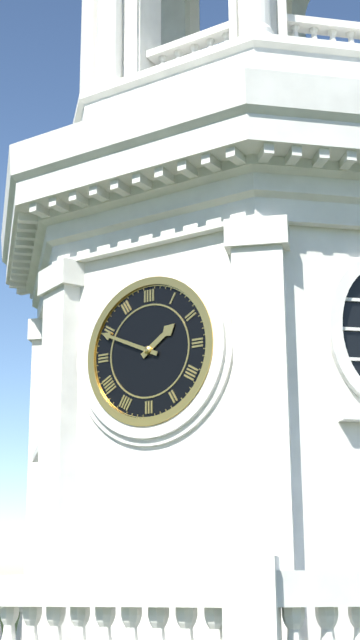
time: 1:49
